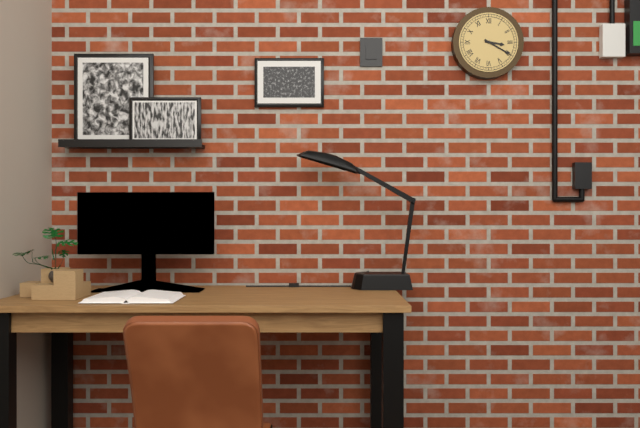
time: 3:20
